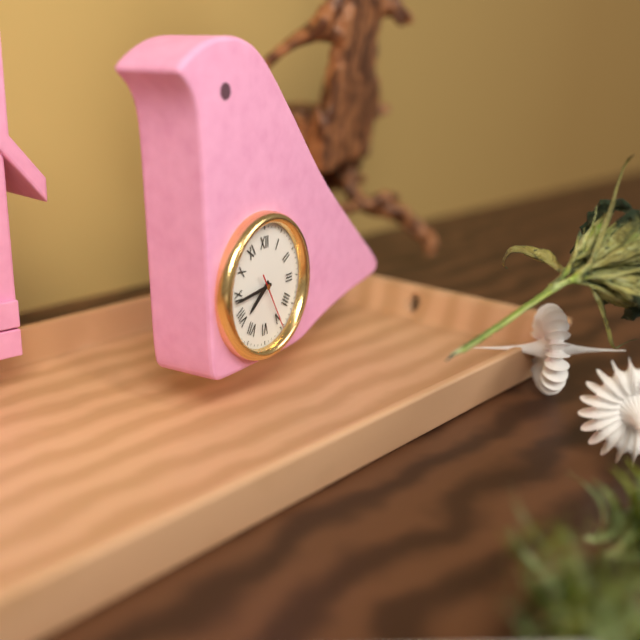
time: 7:44:25
